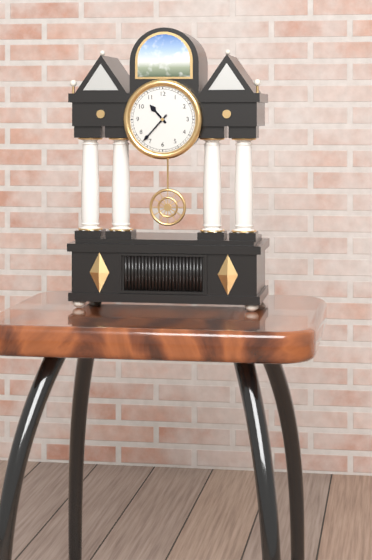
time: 10:37
